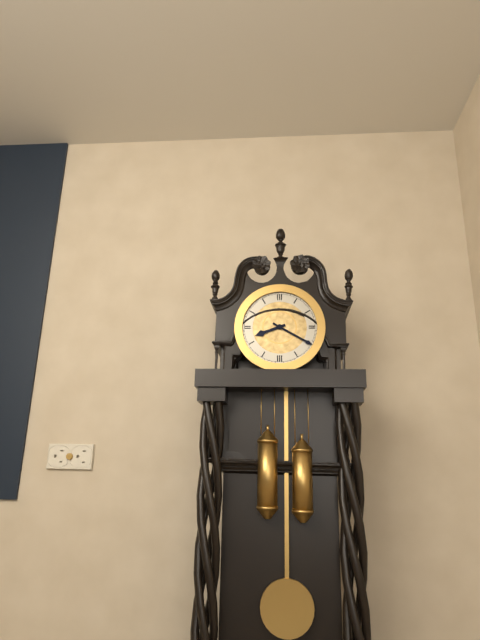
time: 8:20
